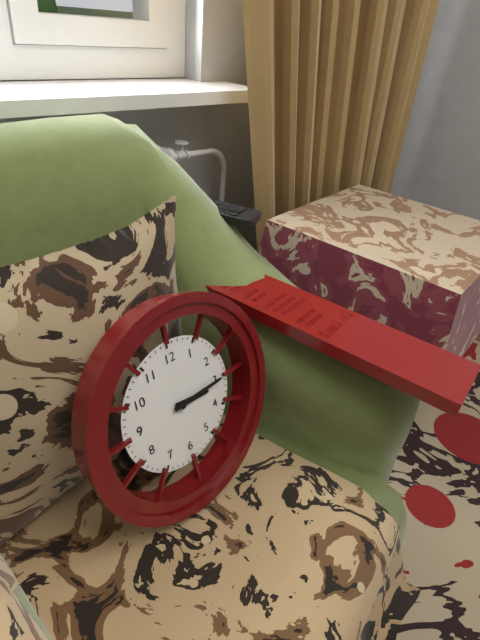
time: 3:15
